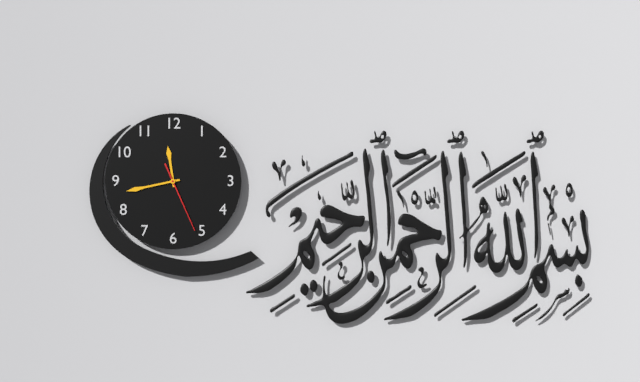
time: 11:43:26
